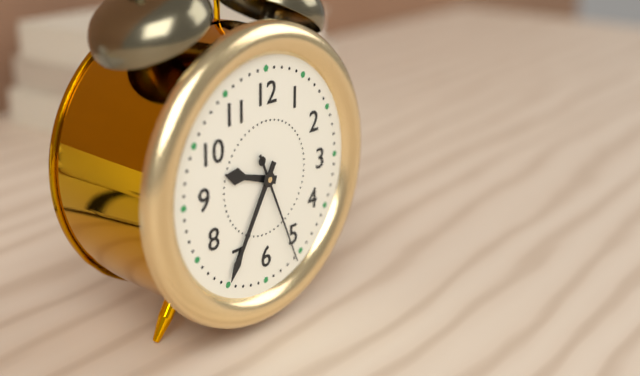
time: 9:35:26
